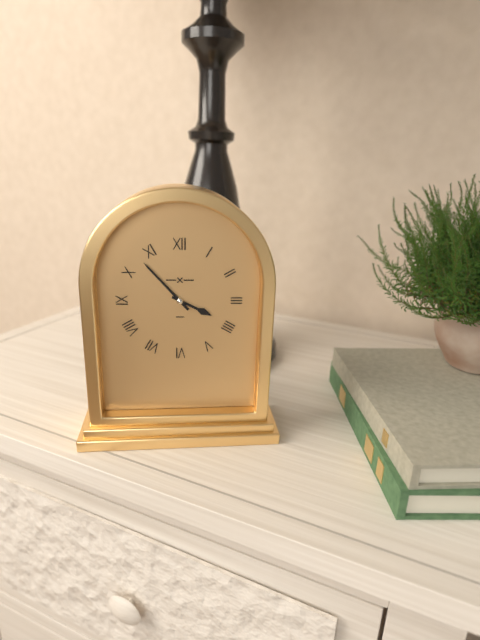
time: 3:53
